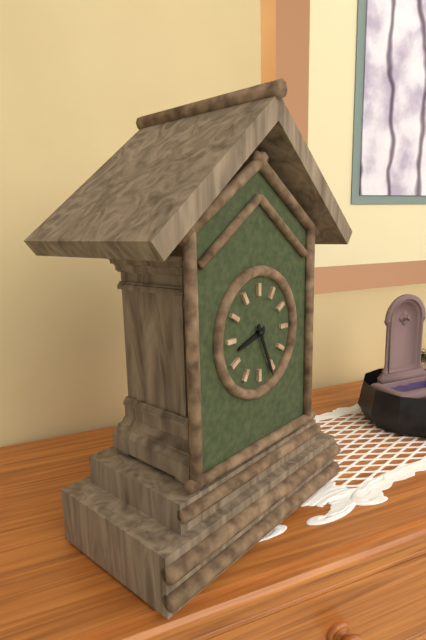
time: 8:26
